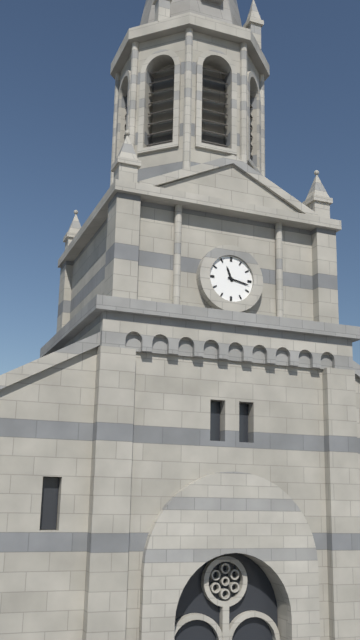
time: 11:17
